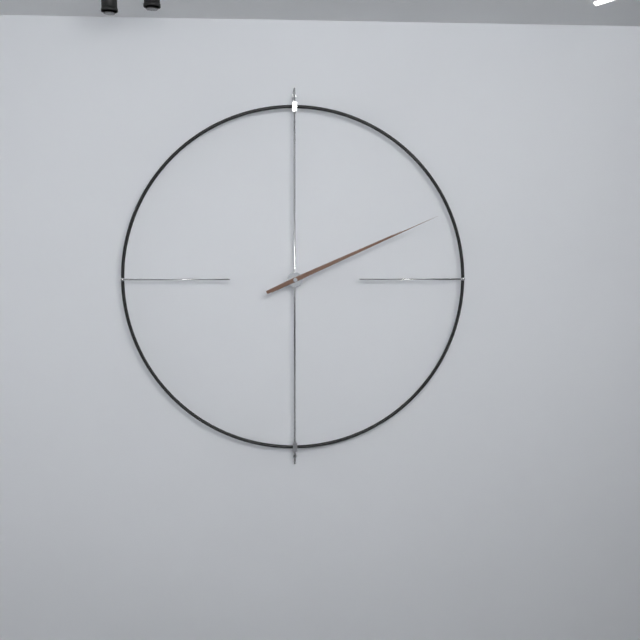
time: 2:11
